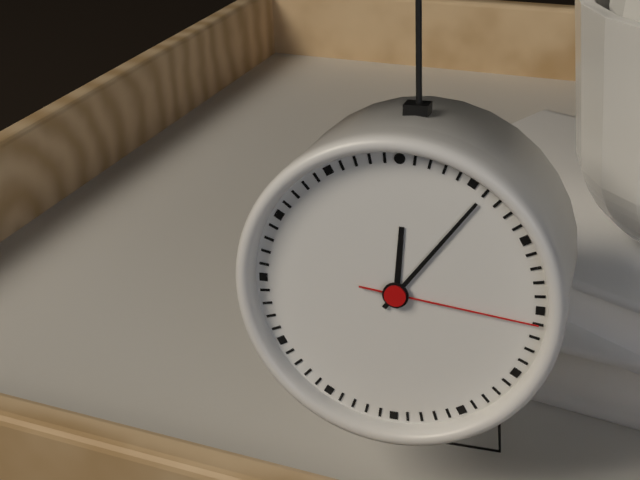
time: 12:06:16
